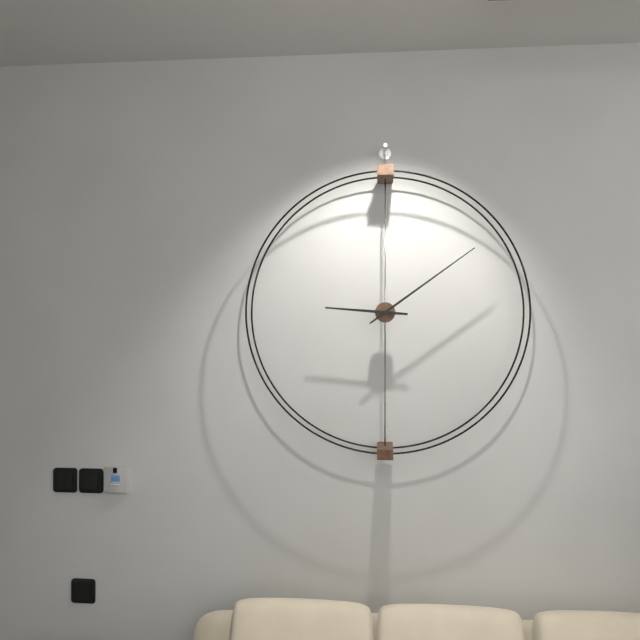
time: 9:09
